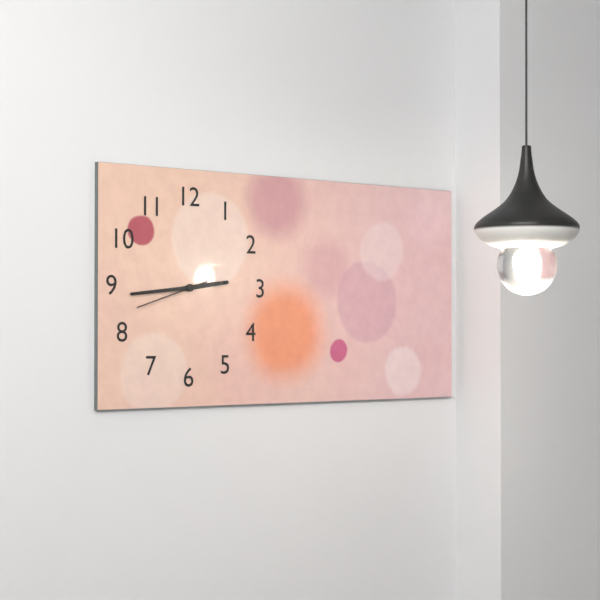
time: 2:44:42
